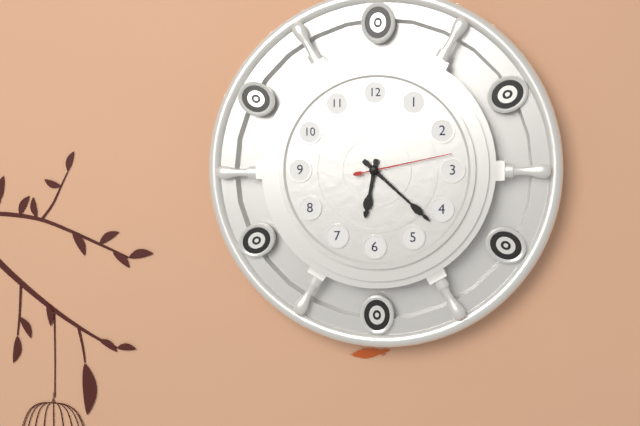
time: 6:22:13
